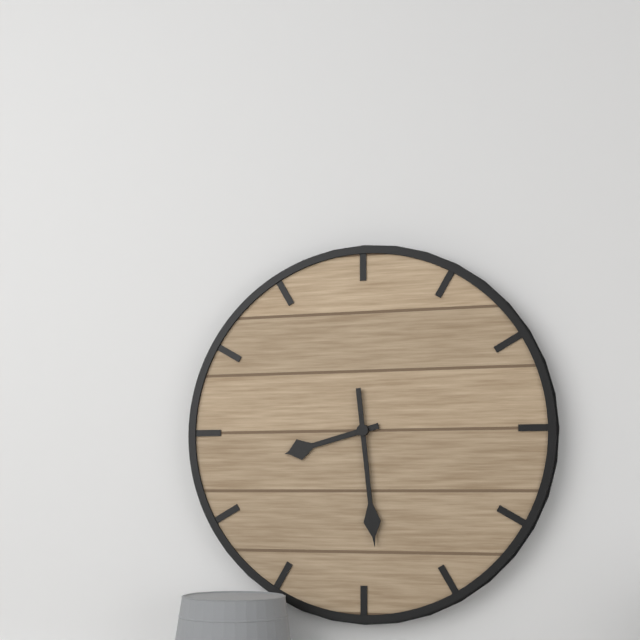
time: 8:29
